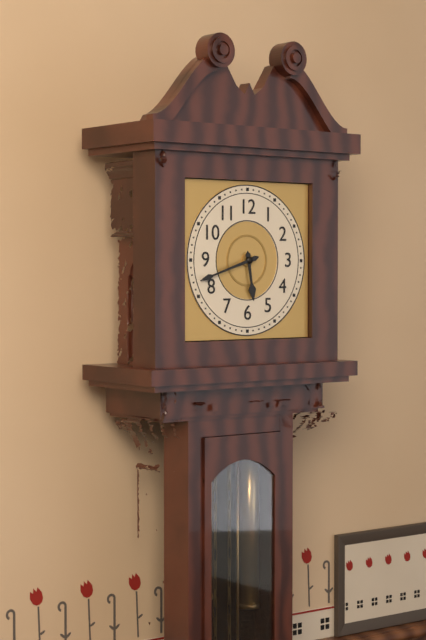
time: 5:42
